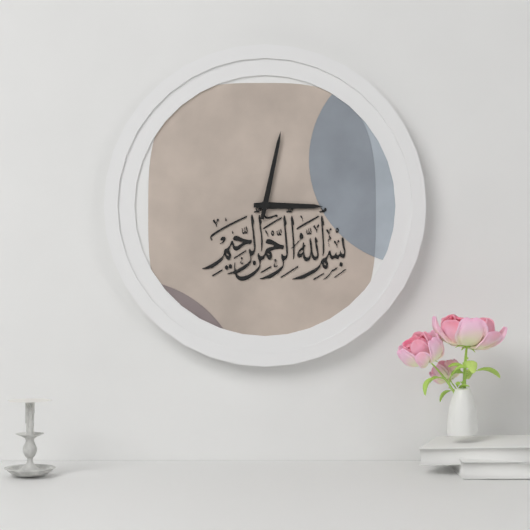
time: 3:02
